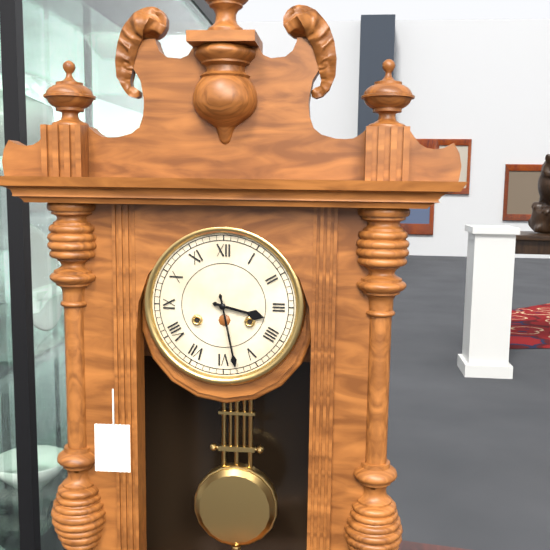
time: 3:28
